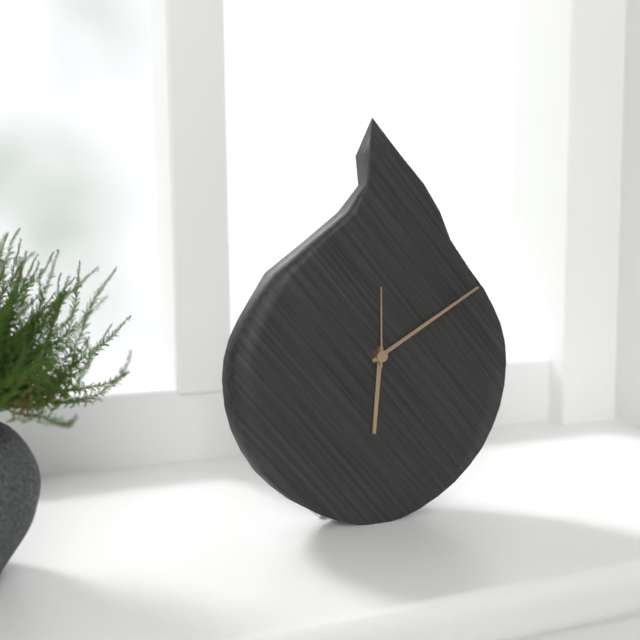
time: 6:10:00
